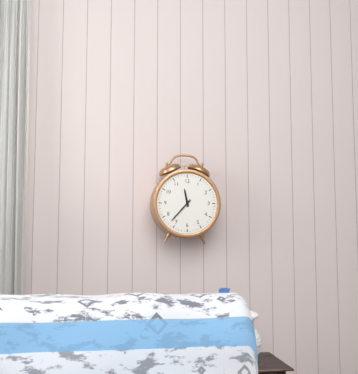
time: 11:37
